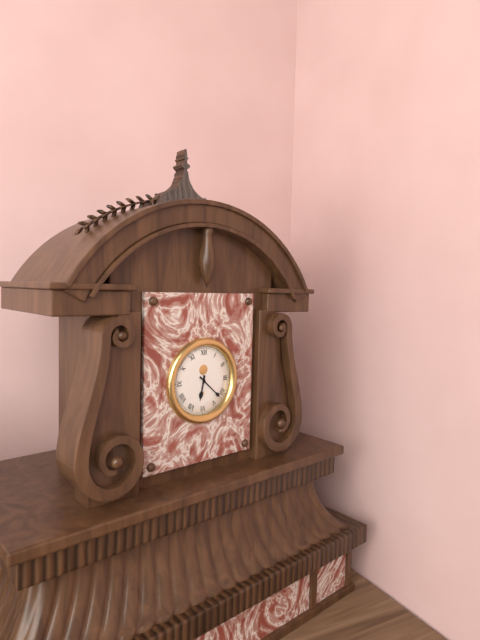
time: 6:22
